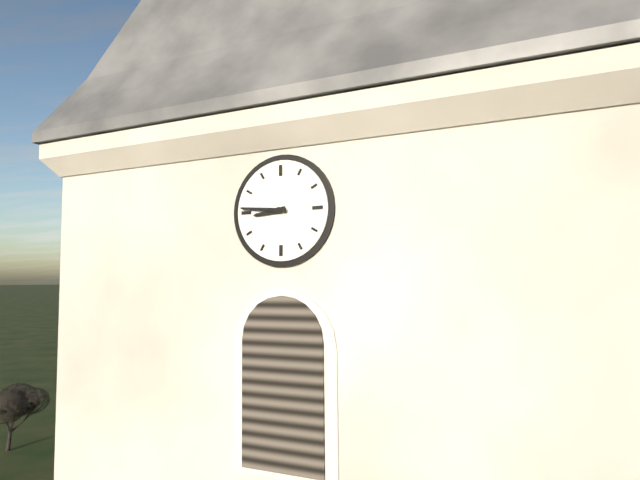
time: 8:46
